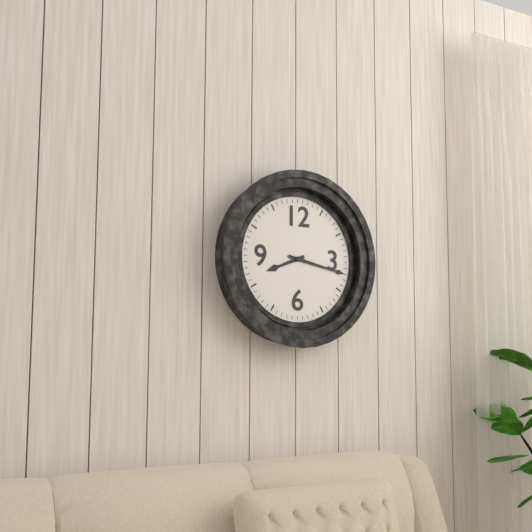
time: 8:17
